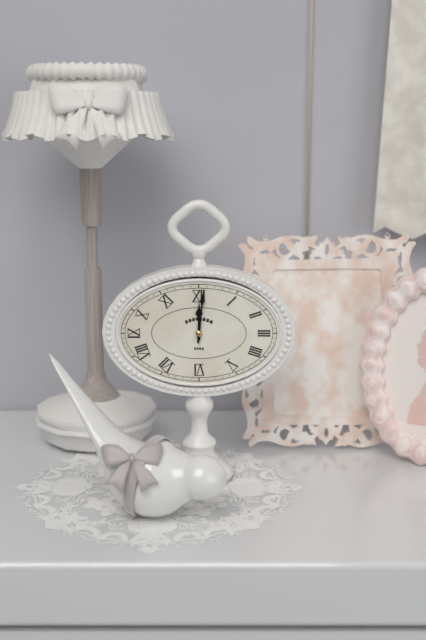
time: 12:01
